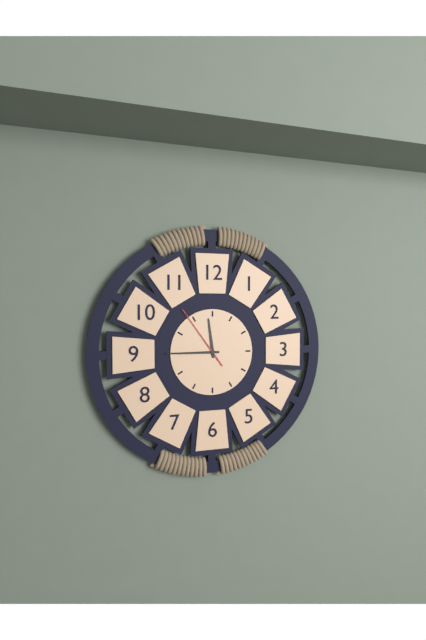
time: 11:45:54
